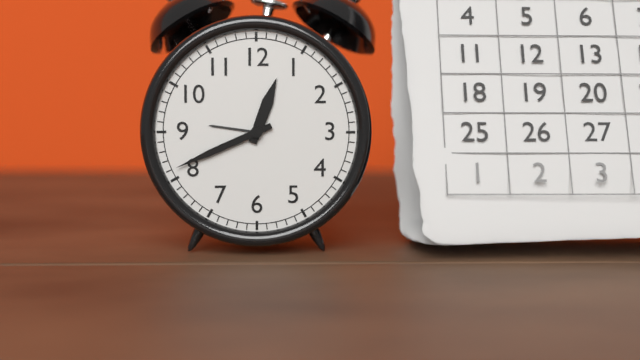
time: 12:41
